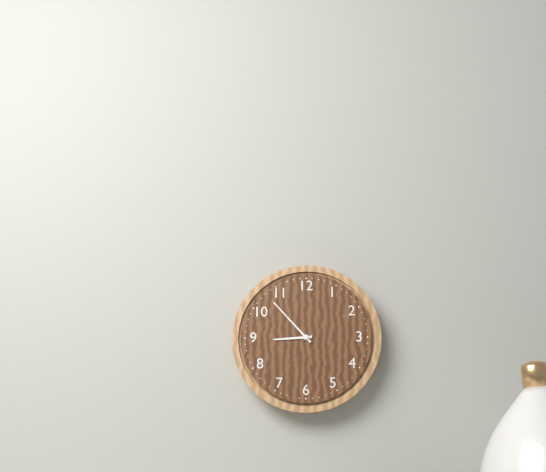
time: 8:53
